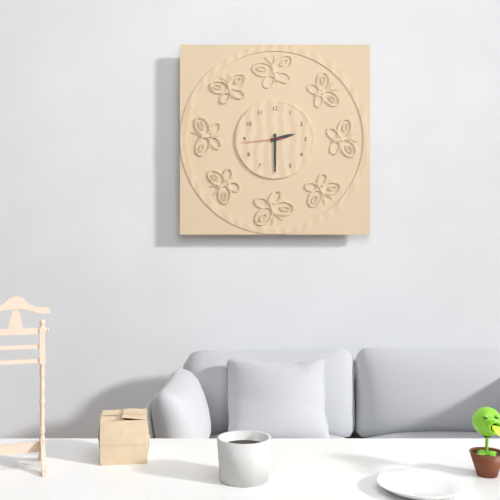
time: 2:30
